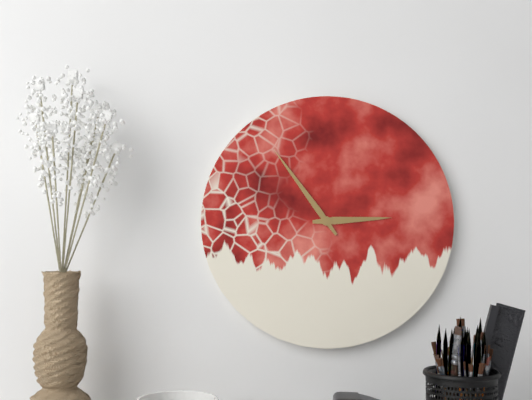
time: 2:54
